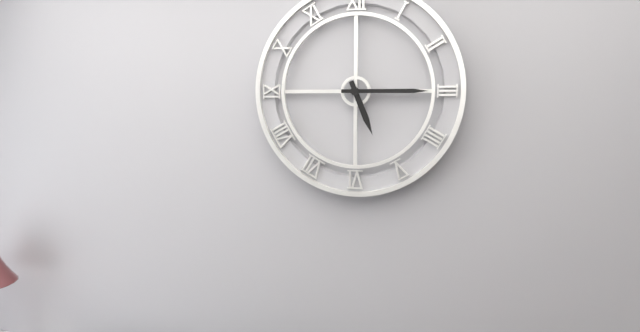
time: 5:15
